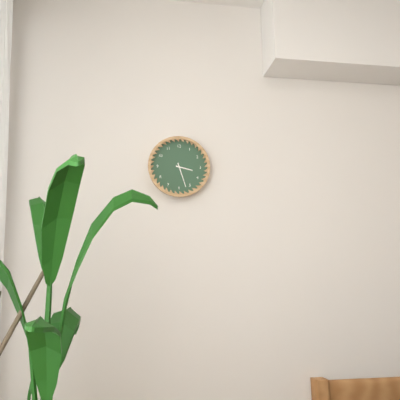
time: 3:27
